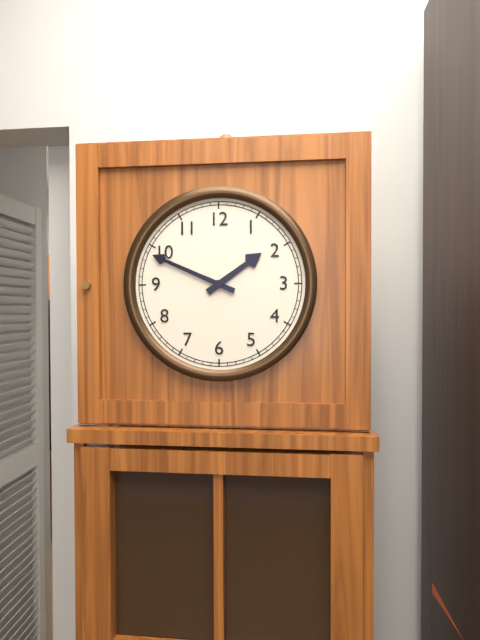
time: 1:49
